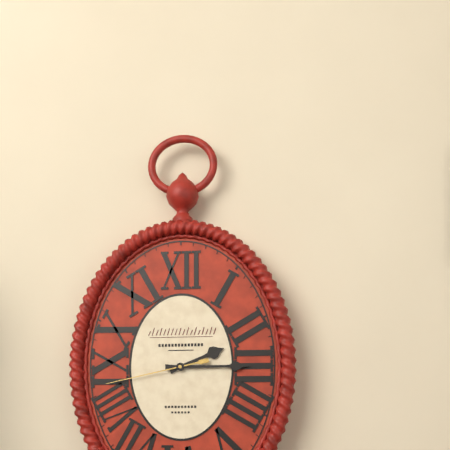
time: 2:15:43
